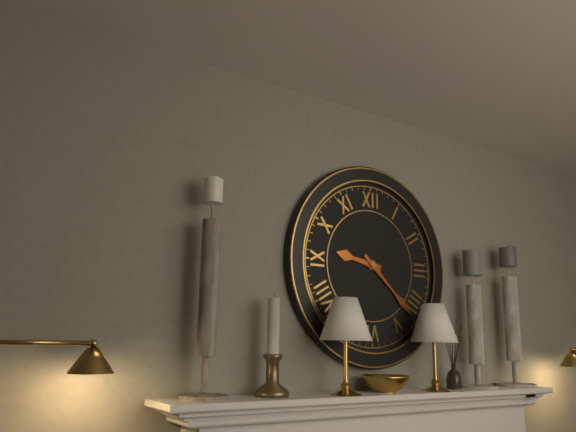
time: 9:22
